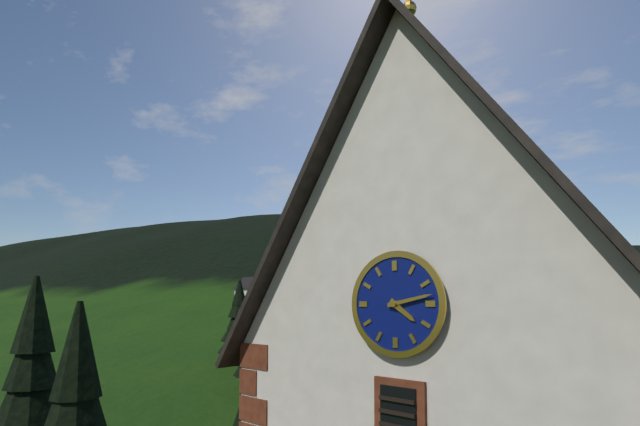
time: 4:13
